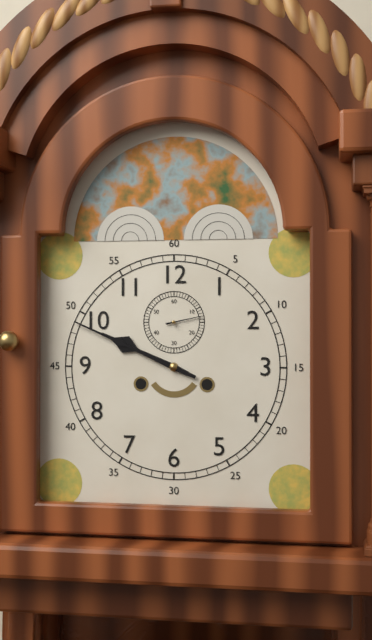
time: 9:49
